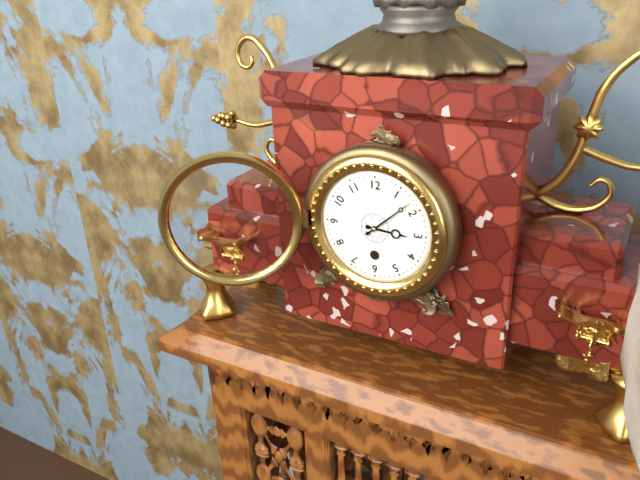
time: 3:08
